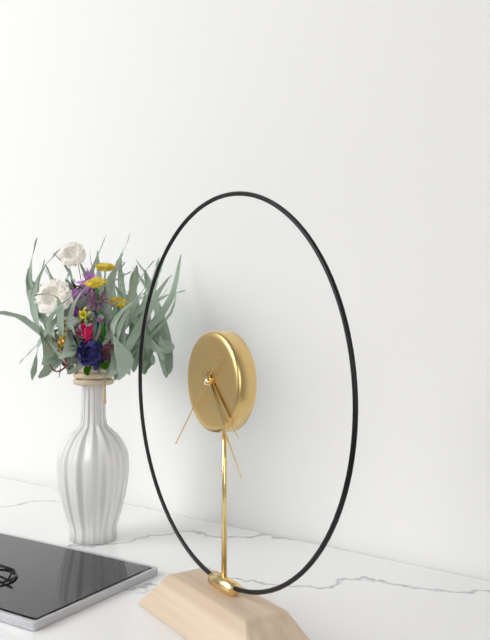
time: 4:24:37
